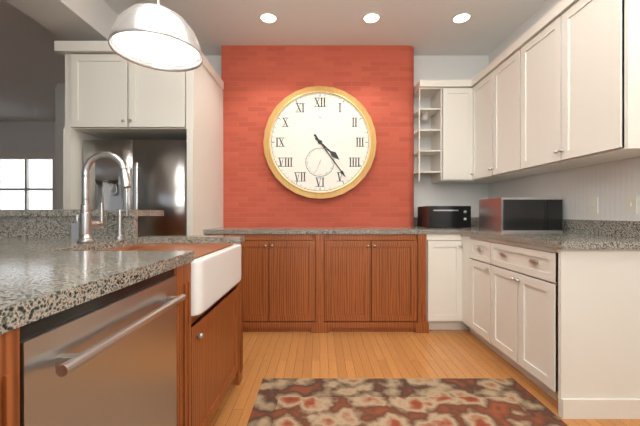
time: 4:24
